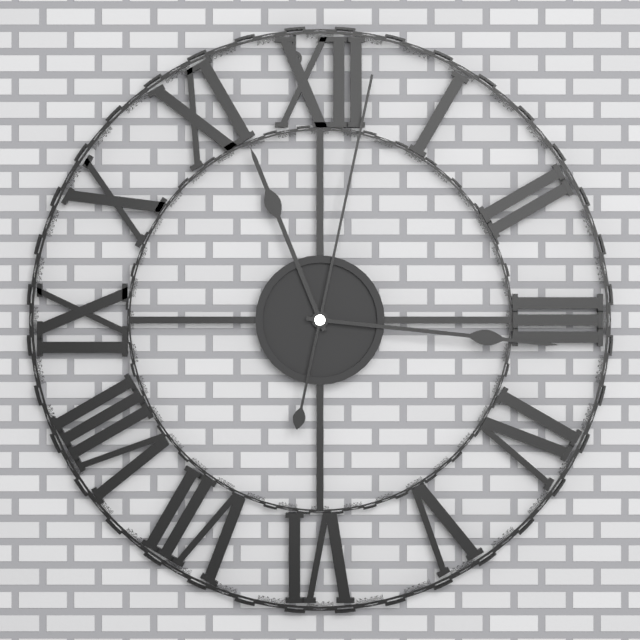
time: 11:16:02
